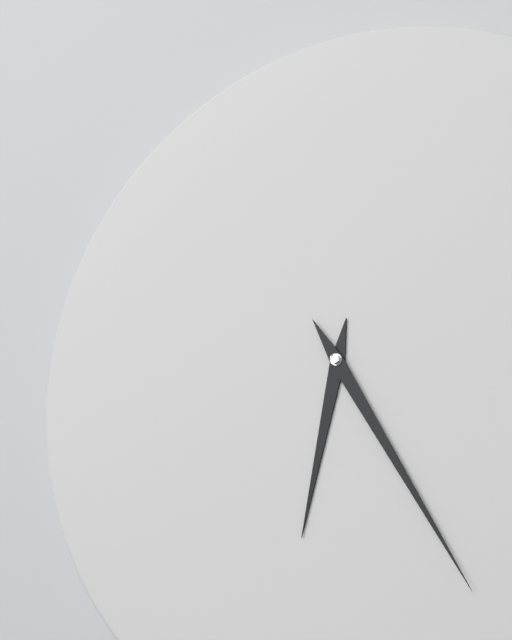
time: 6:25
